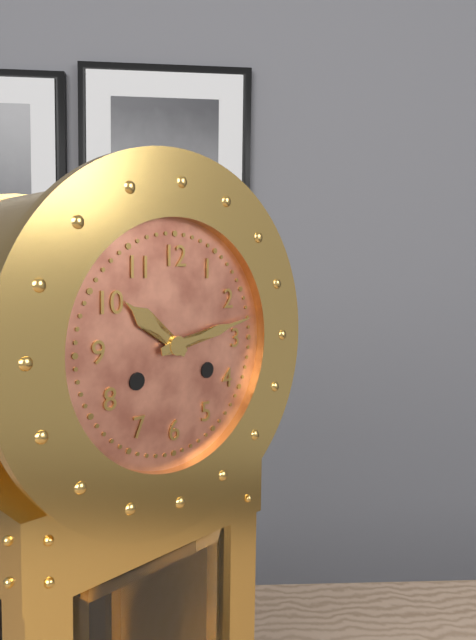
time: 10:13
